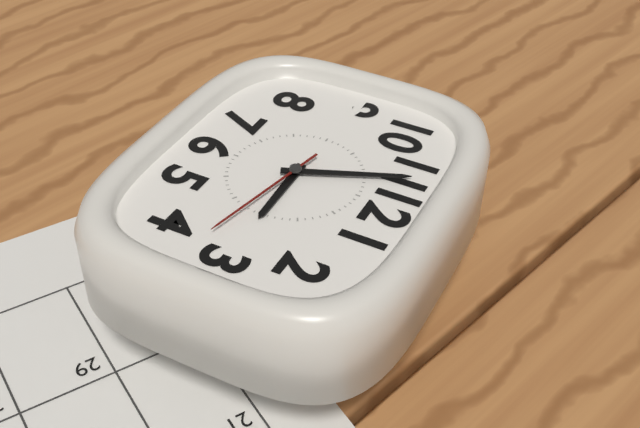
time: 2:56:17
